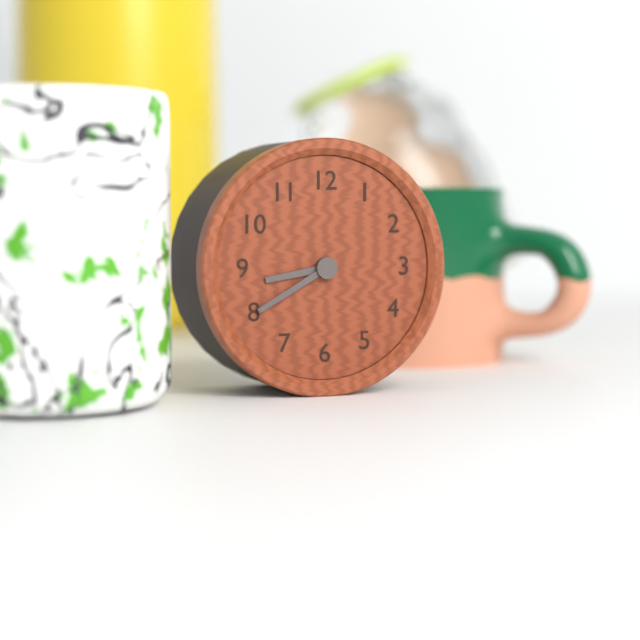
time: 8:40
